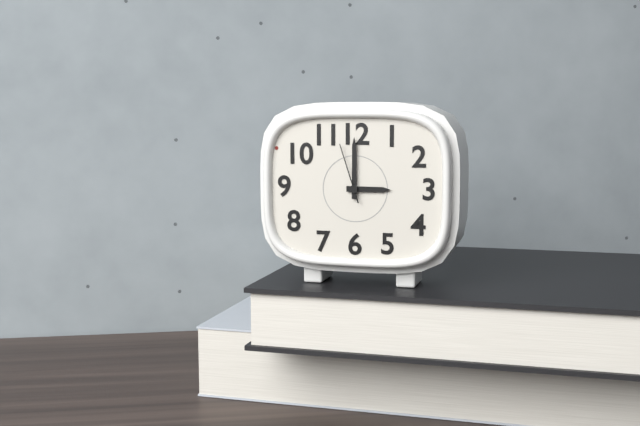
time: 3:00:57
